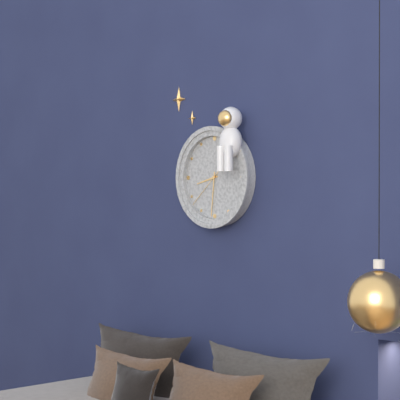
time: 8:31
